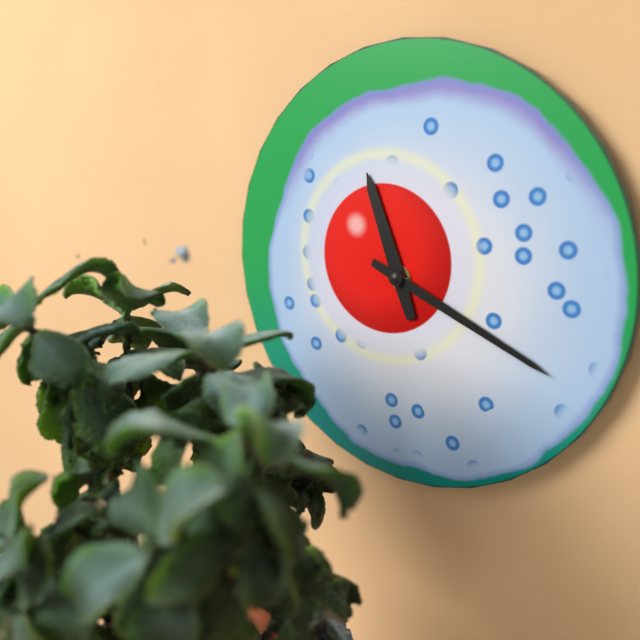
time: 11:19
